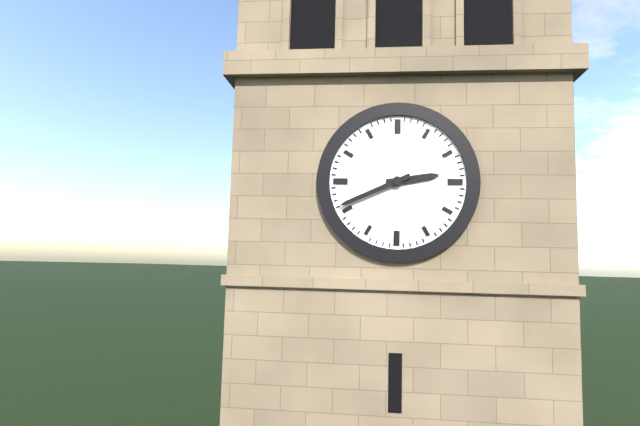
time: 2:41
